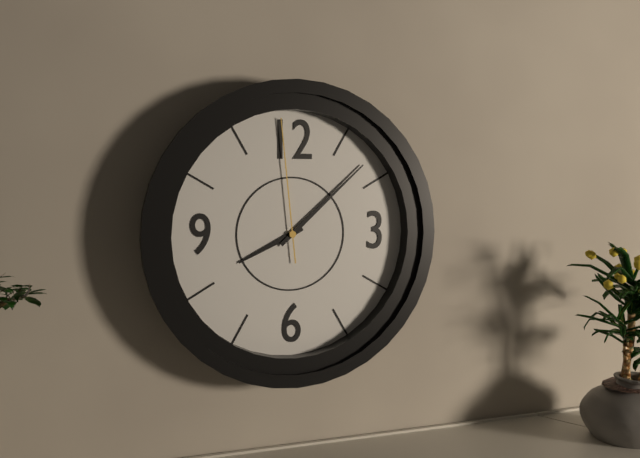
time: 8:08:59
